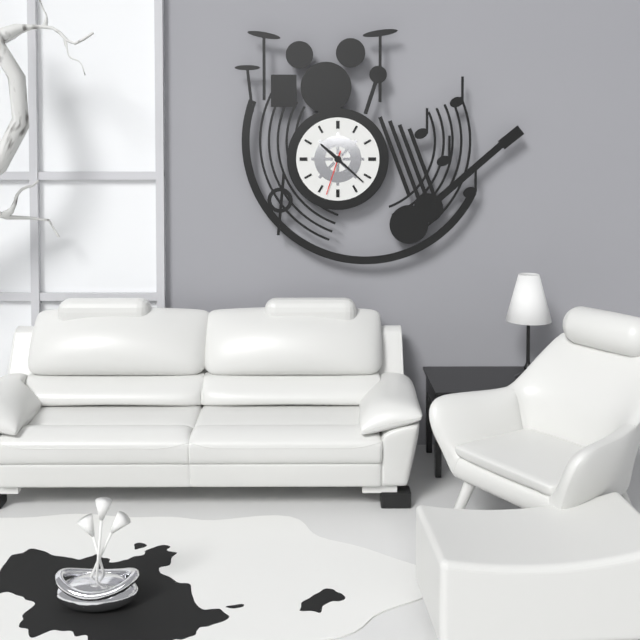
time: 10:22
